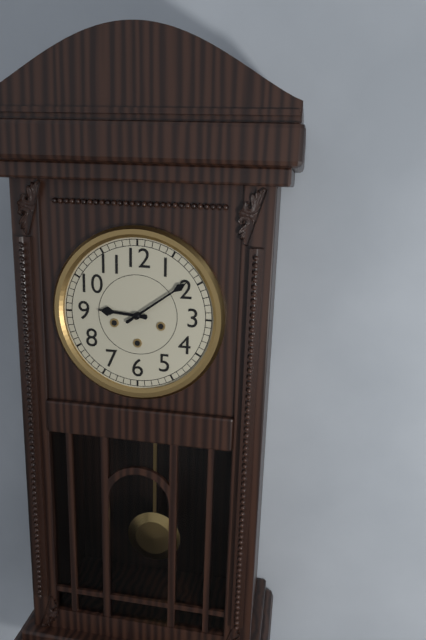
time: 9:09
